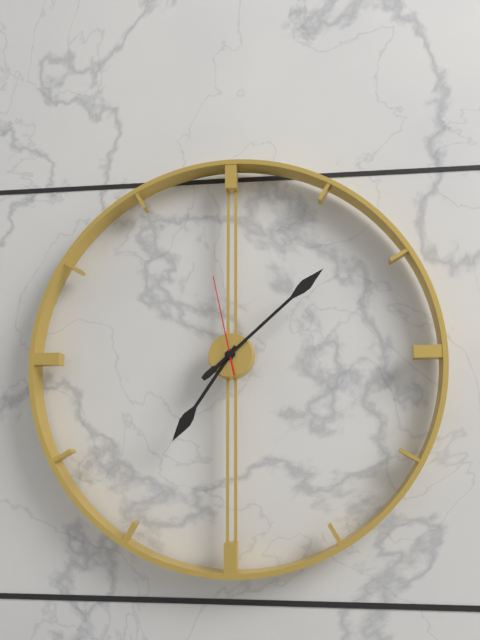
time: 7:08:58
